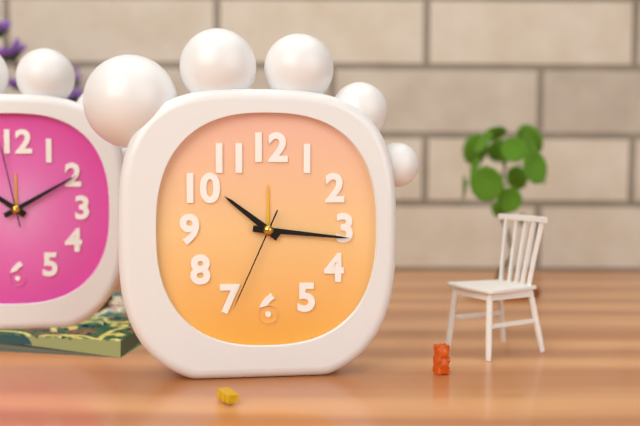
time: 10:16:34
